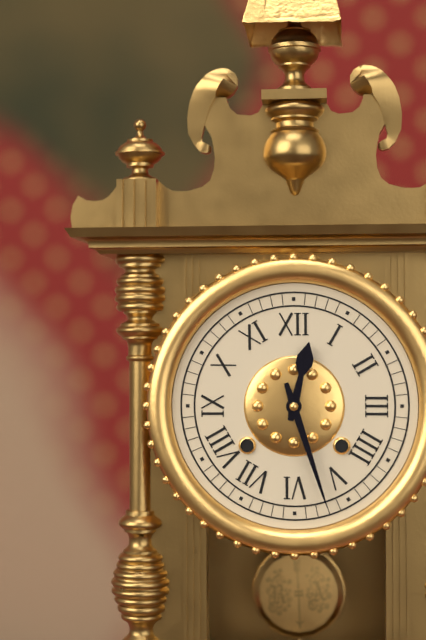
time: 12:27
